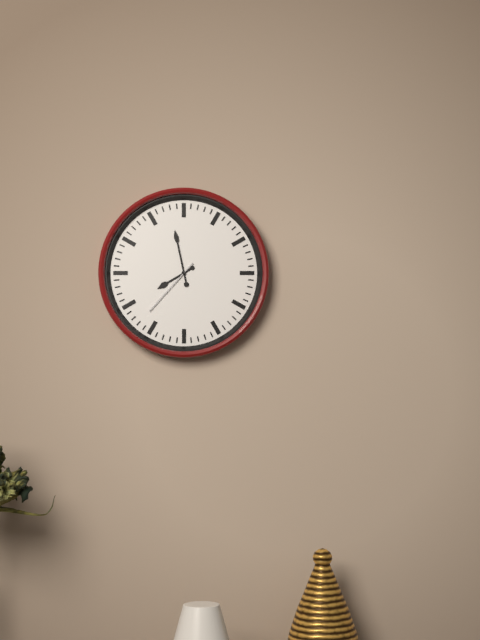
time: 7:58:37
